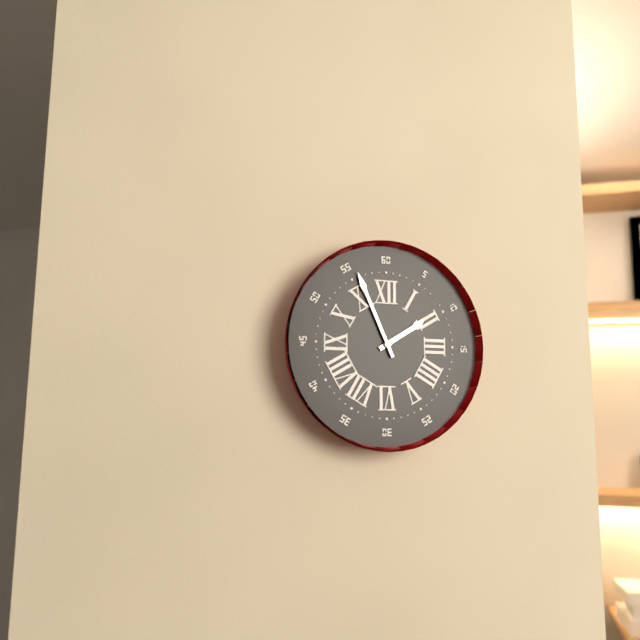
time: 1:56
